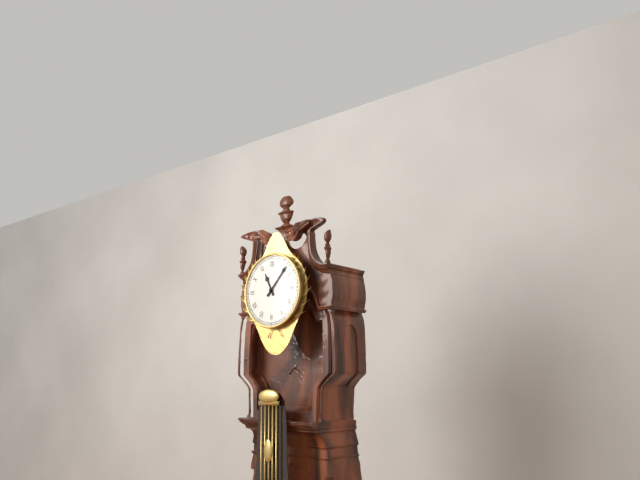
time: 11:07
